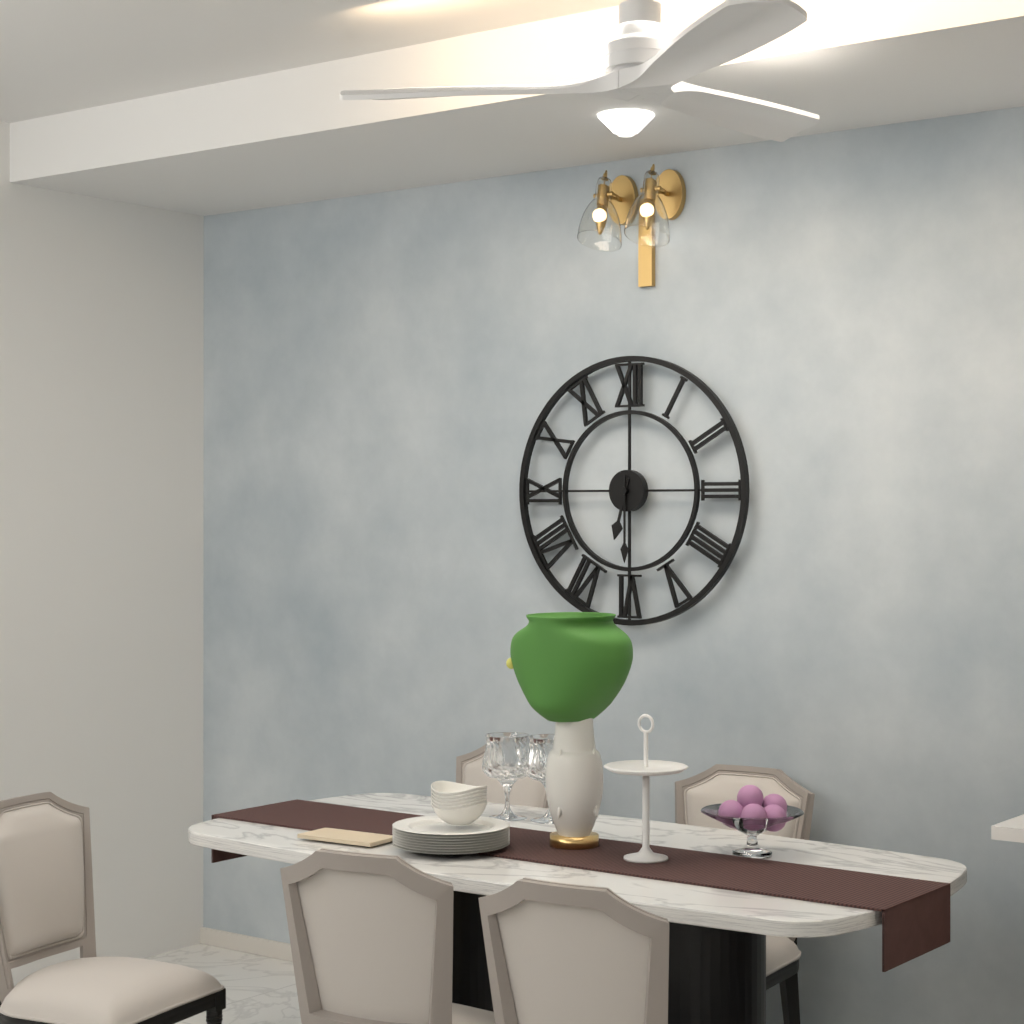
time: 6:30
